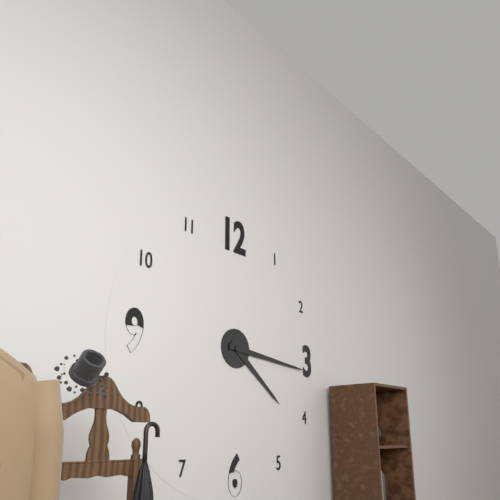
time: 4:16
